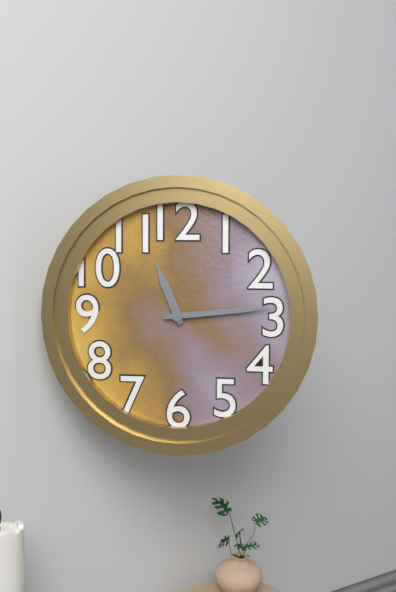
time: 11:14
